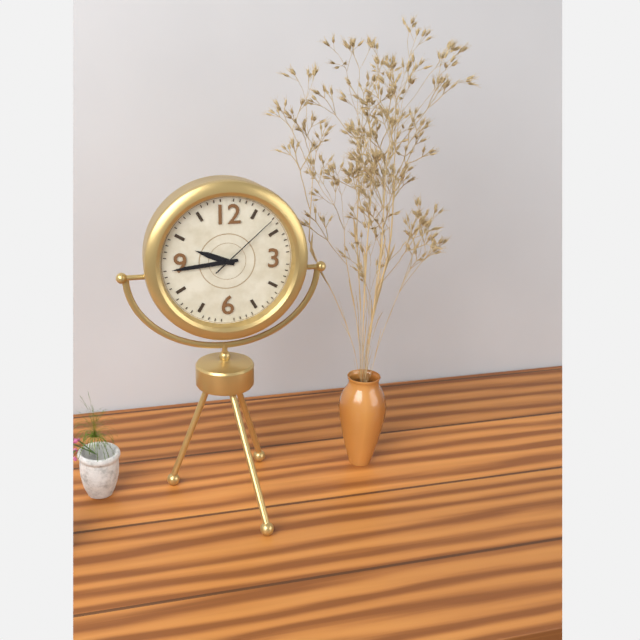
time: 9:44:08
